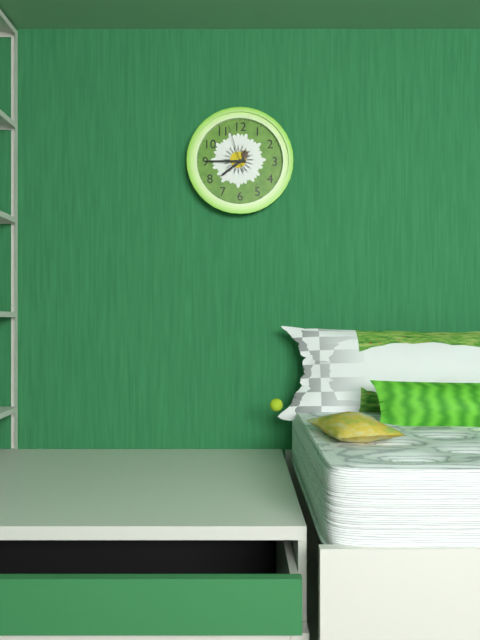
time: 7:45
